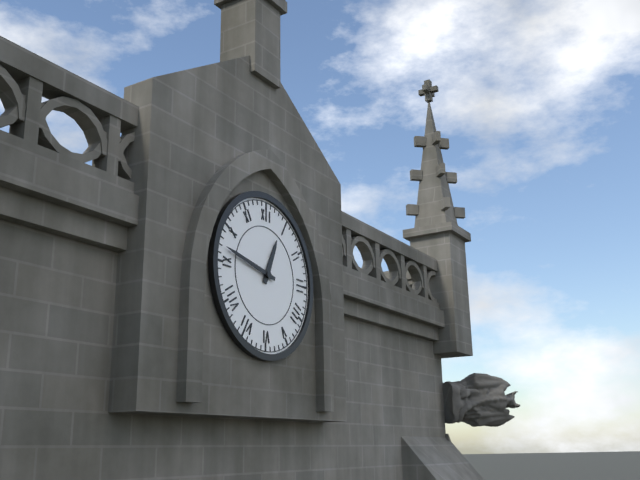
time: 12:47
